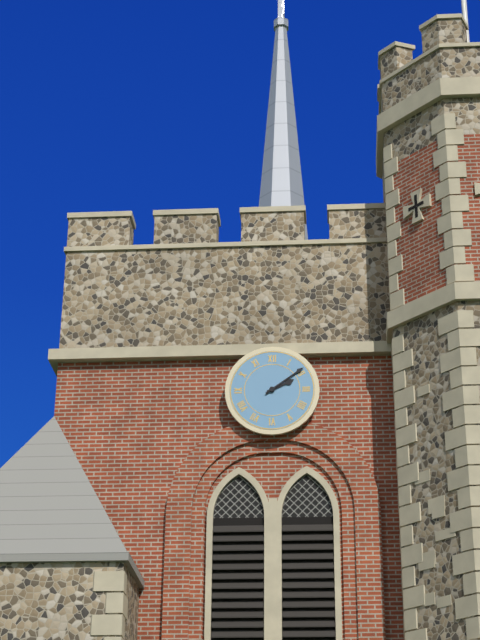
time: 2:09
